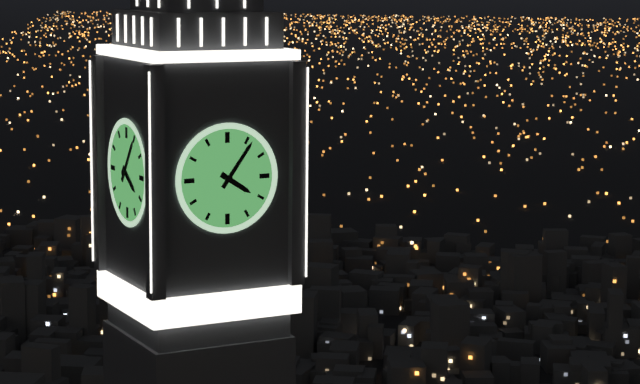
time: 4:06
